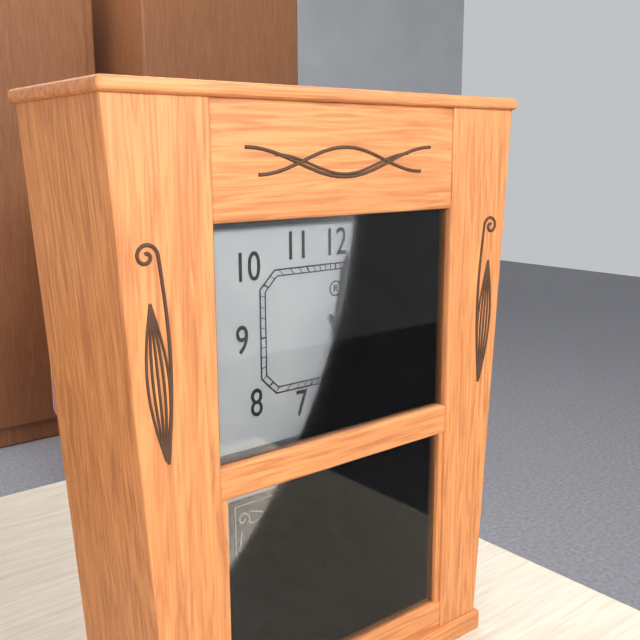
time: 12:24
